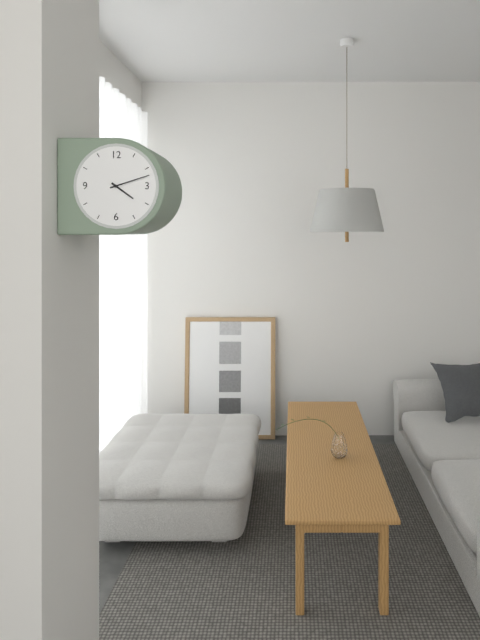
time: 4:12
